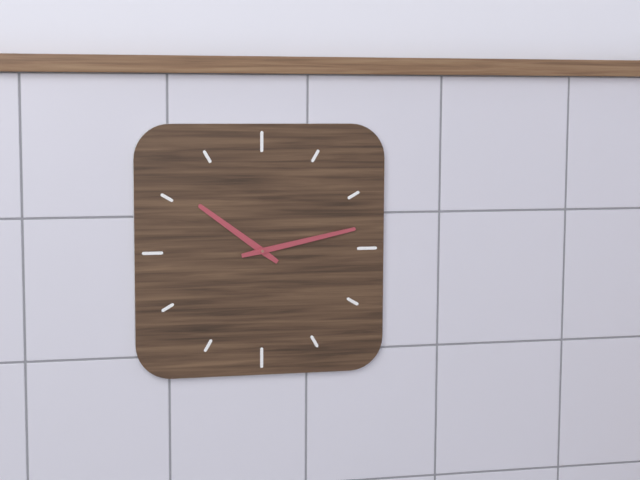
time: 10:13
